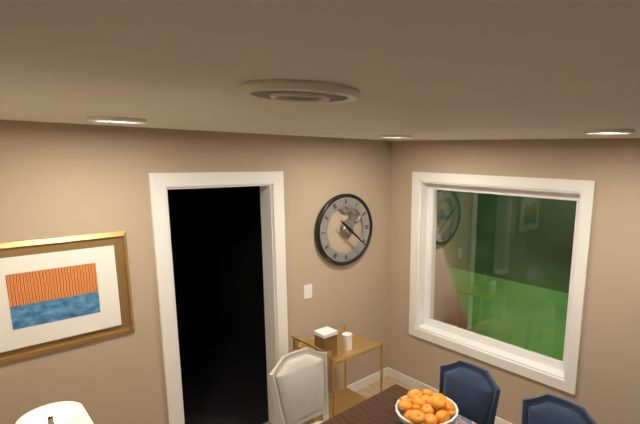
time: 10:22
